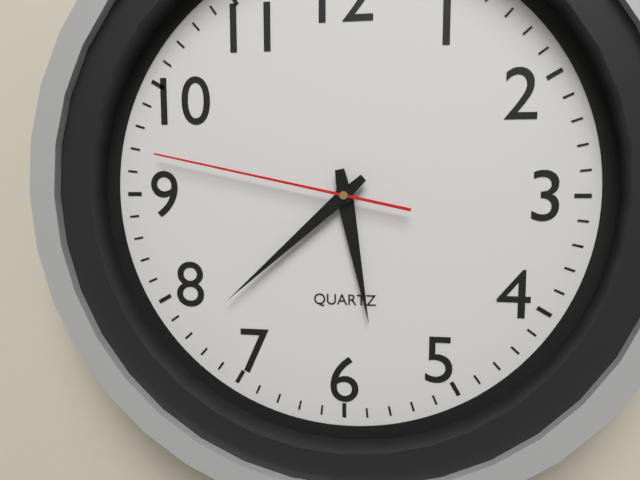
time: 5:38:47
